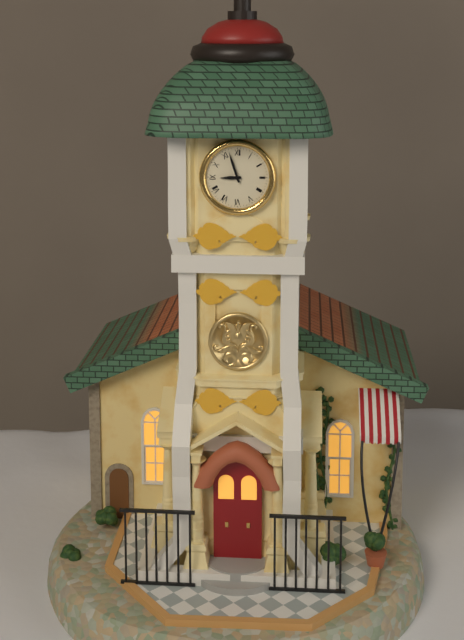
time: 8:57
